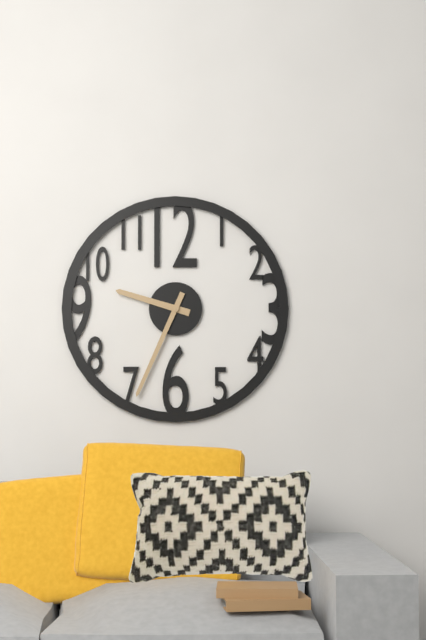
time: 9:34
